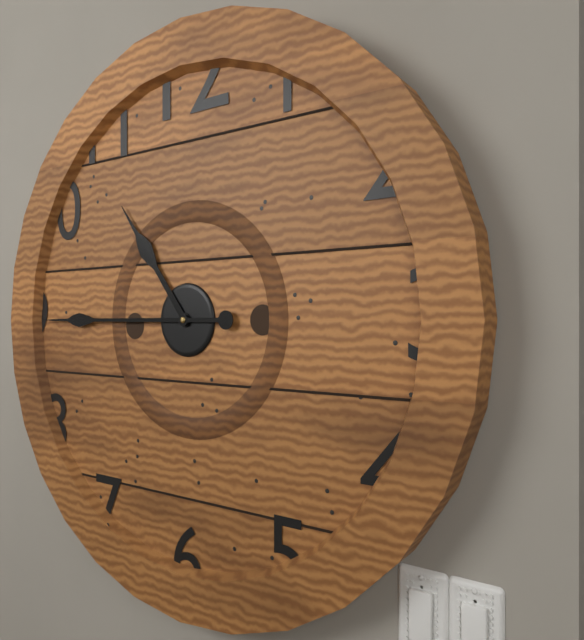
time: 10:45
